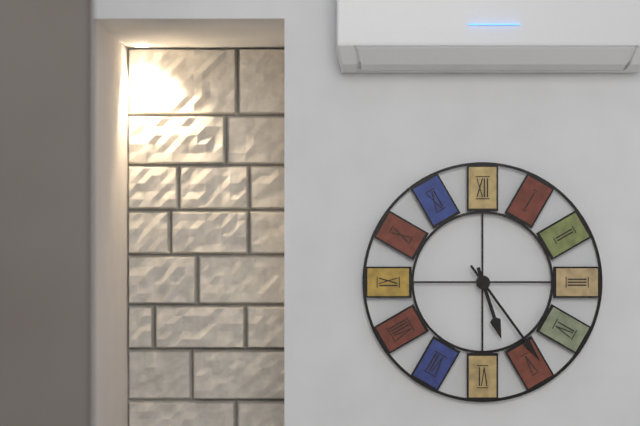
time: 5:24
